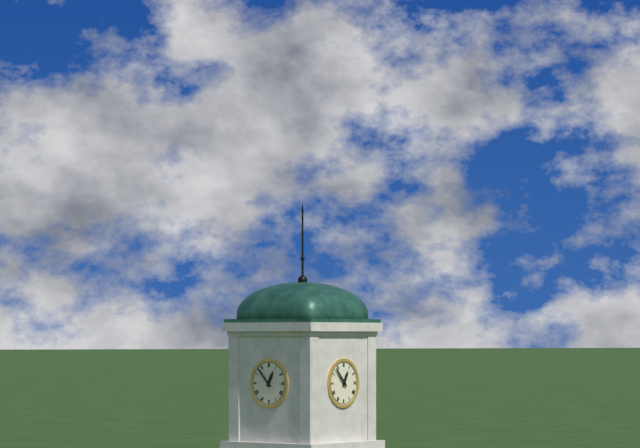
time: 12:53
